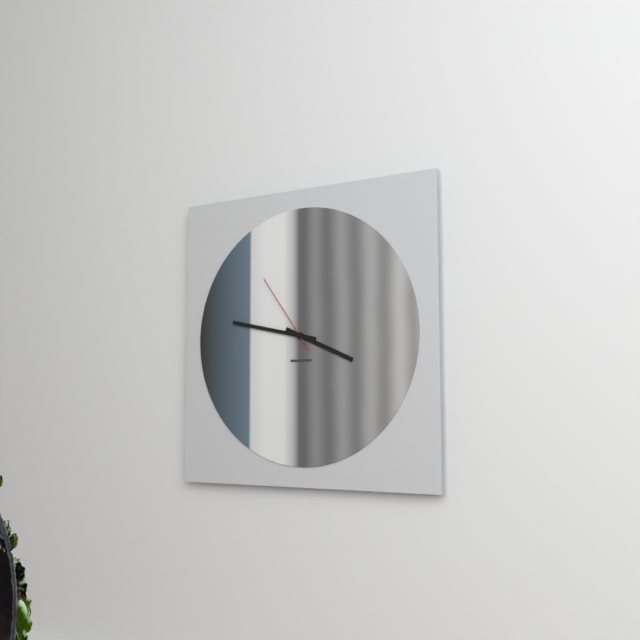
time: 3:47:54
